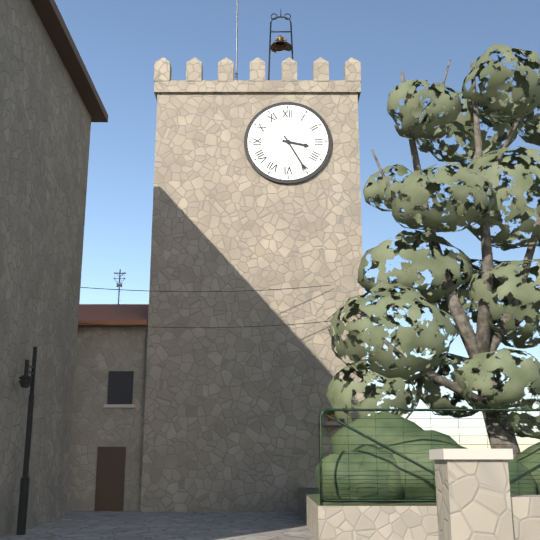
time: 3:25
